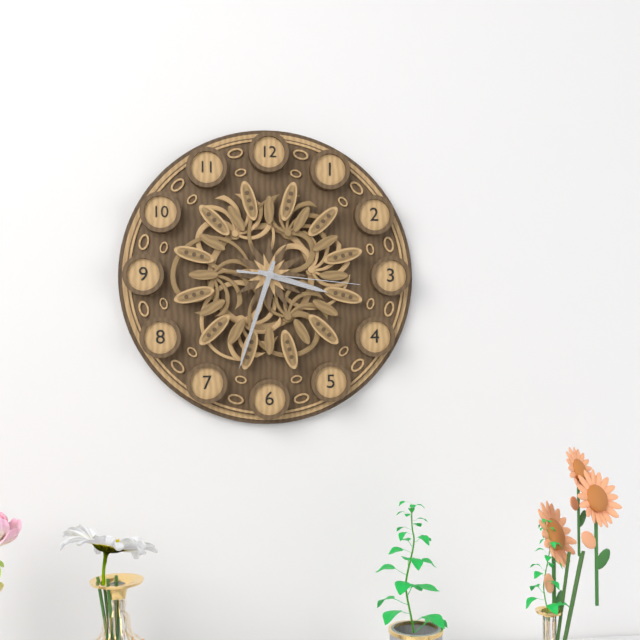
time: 3:33:16
